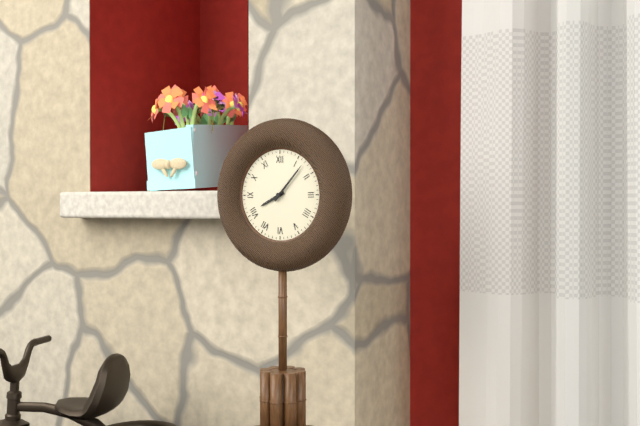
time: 8:07
